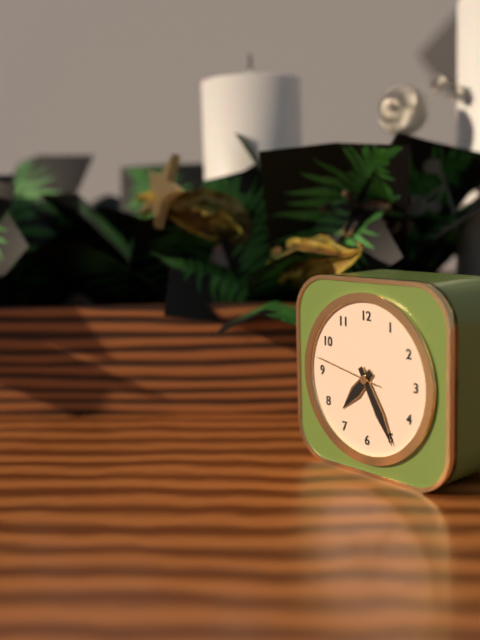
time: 7:25:47
